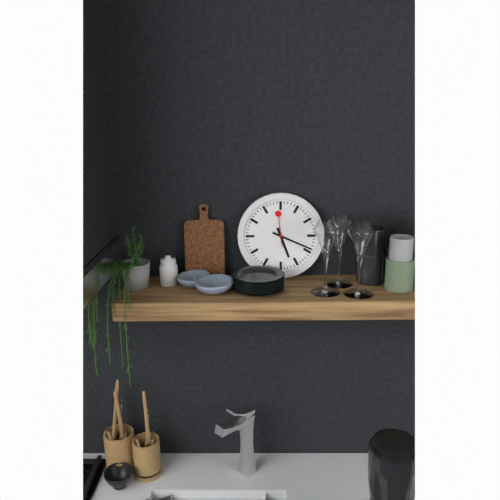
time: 5:19
